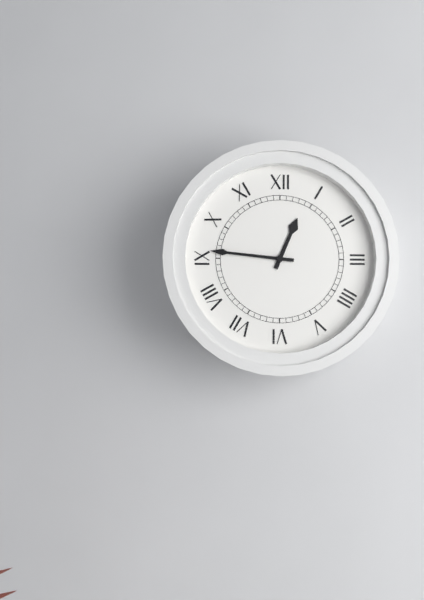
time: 12:46
